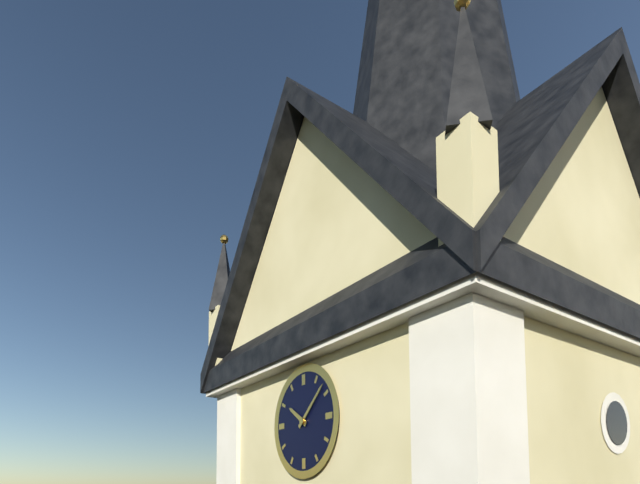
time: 10:08
